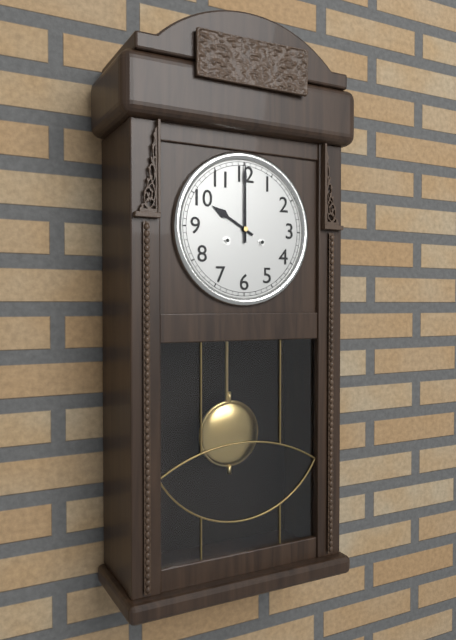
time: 10:00
